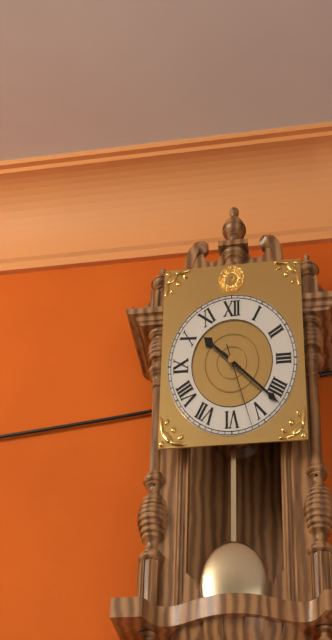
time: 10:22:27
